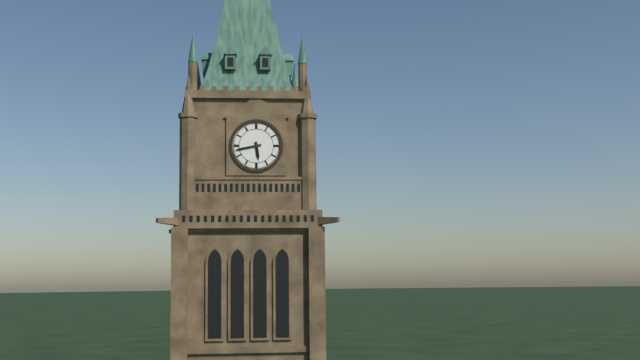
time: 5:43
